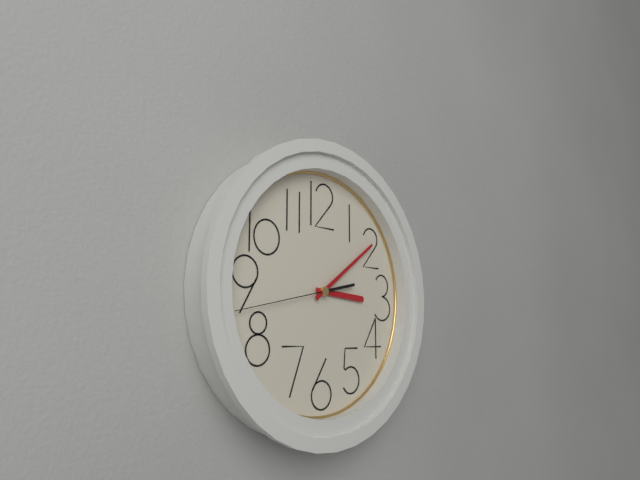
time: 3:09:43
